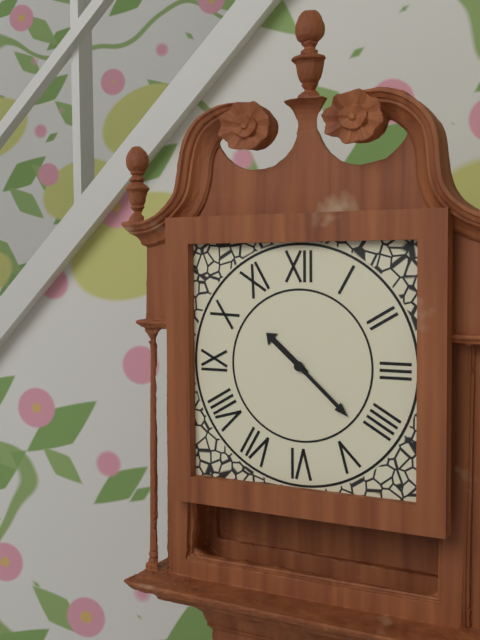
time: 10:22
